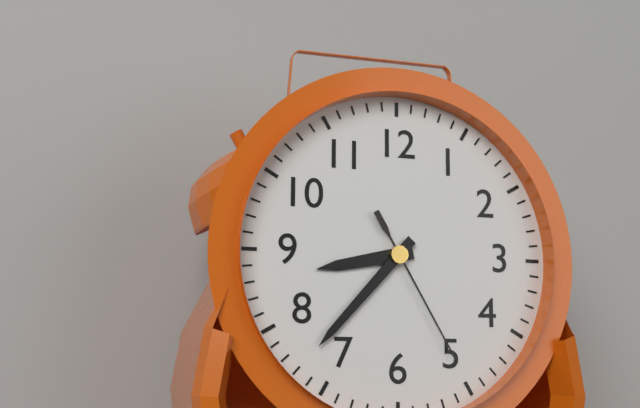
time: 8:37:25
